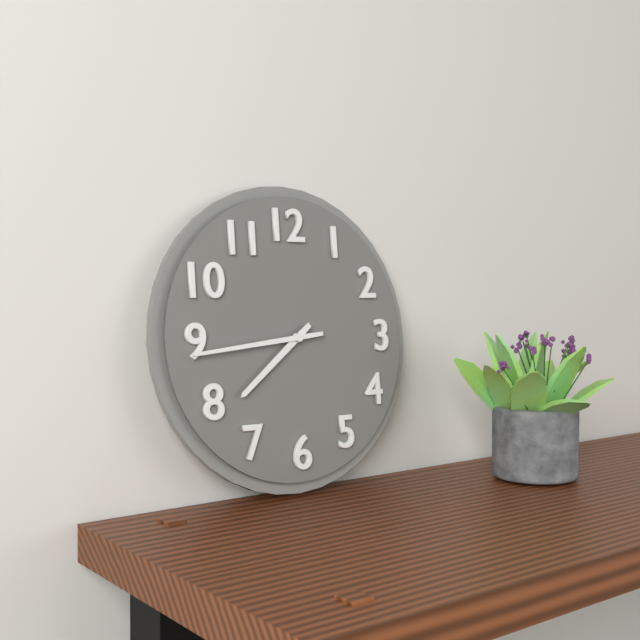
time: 7:44
